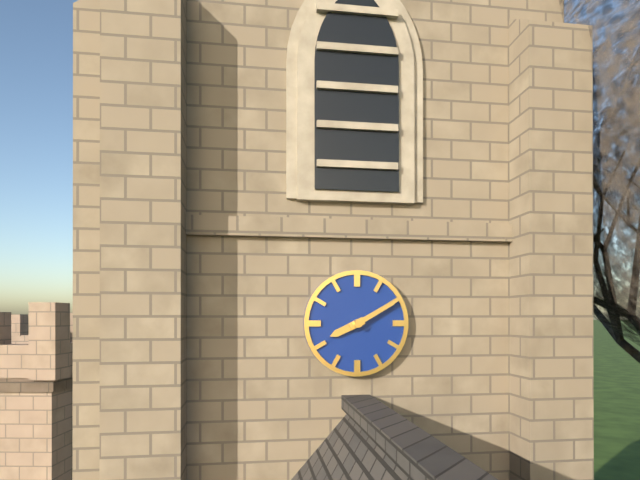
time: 8:10
